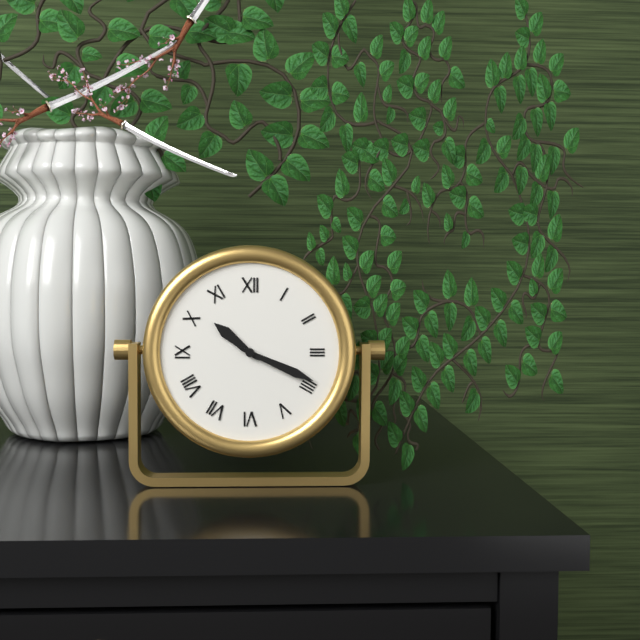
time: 10:19
